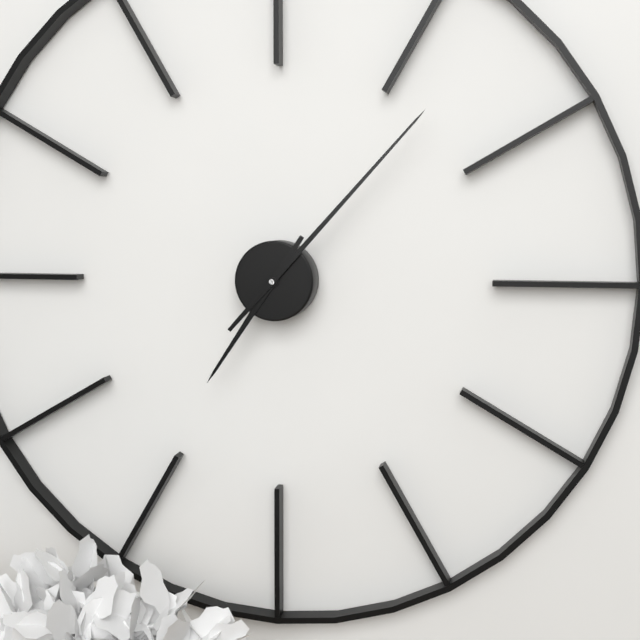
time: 7:07
